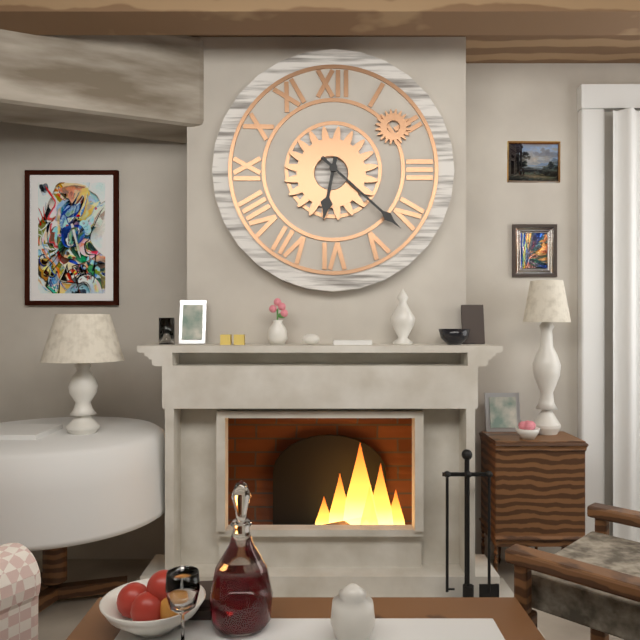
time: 6:22
